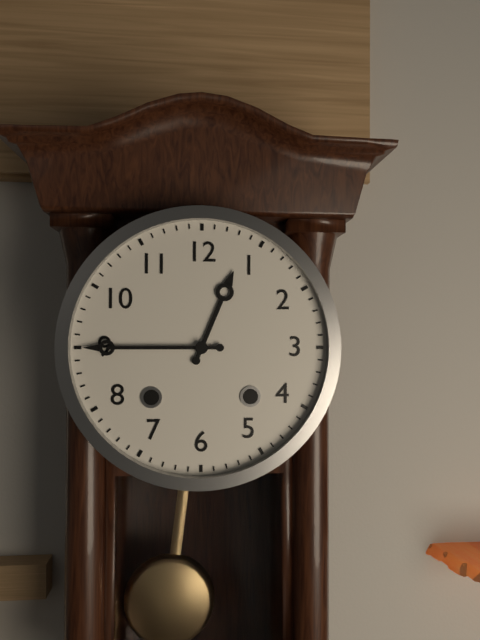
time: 12:45
